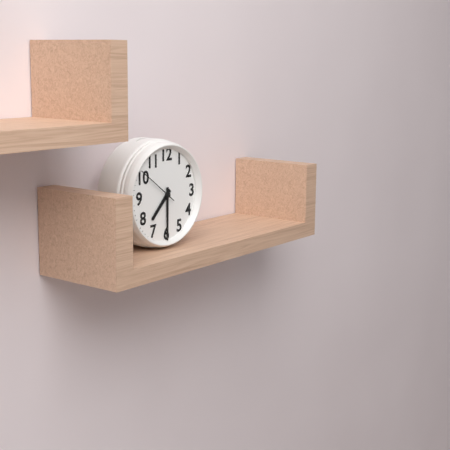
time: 7:30
